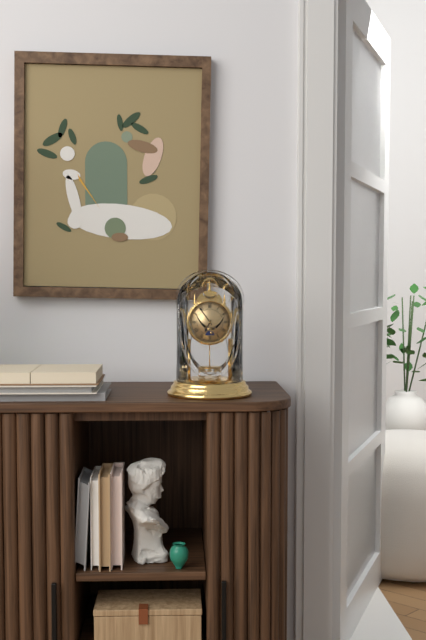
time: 6:54
